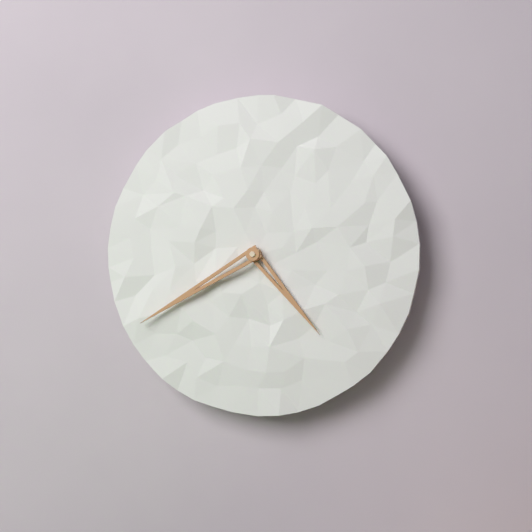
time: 4:40
